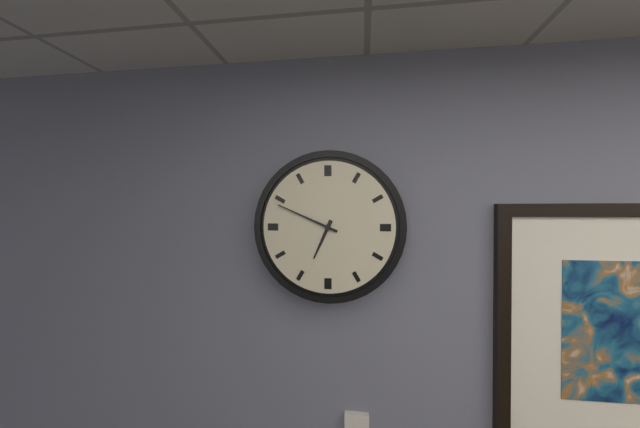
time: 6:49
